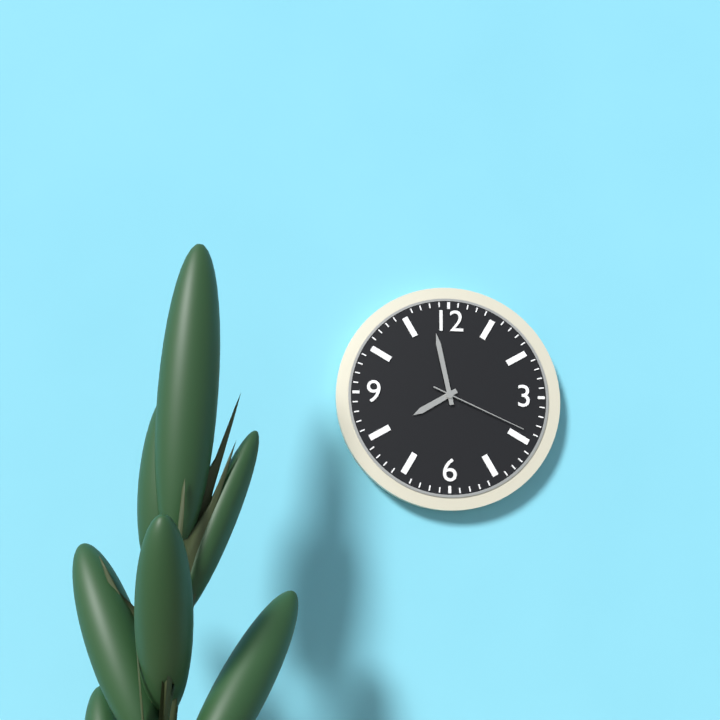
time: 7:58:19
